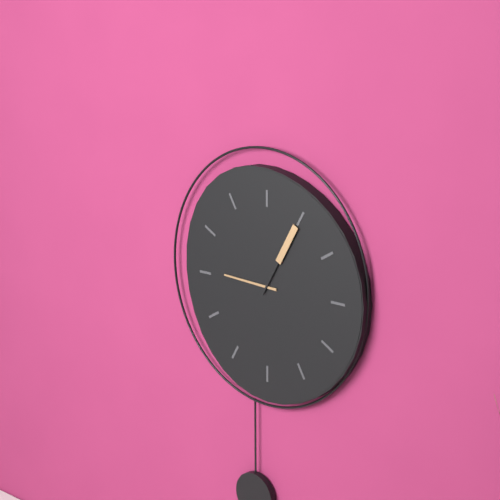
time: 9:05
